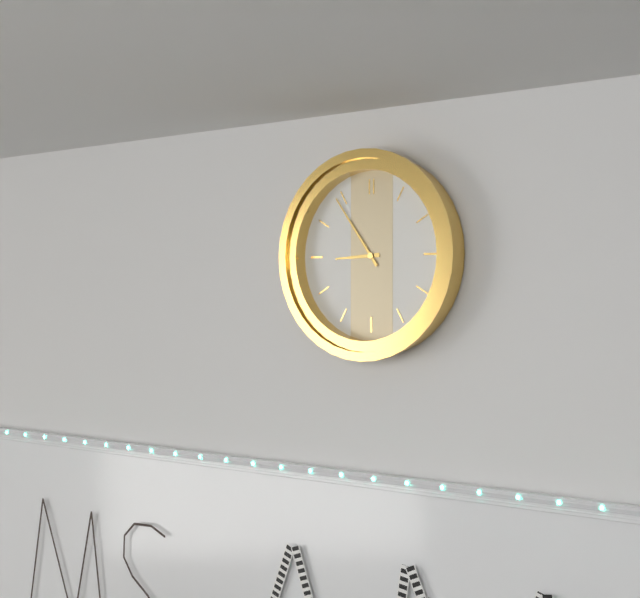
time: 8:54
